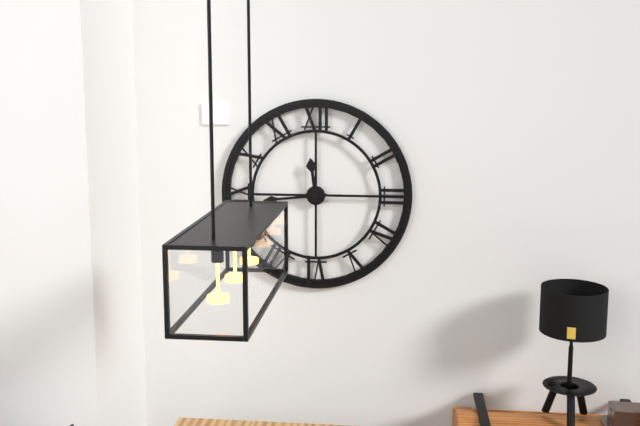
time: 11:44
